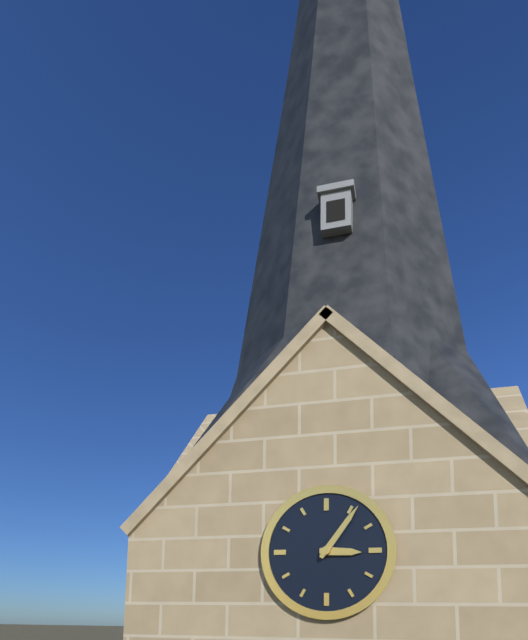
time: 3:06
